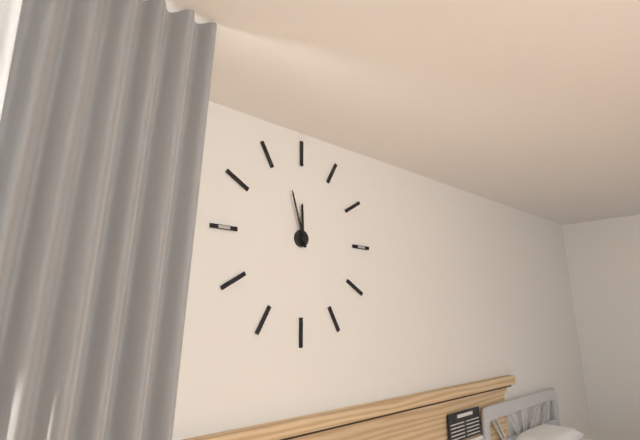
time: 11:57
